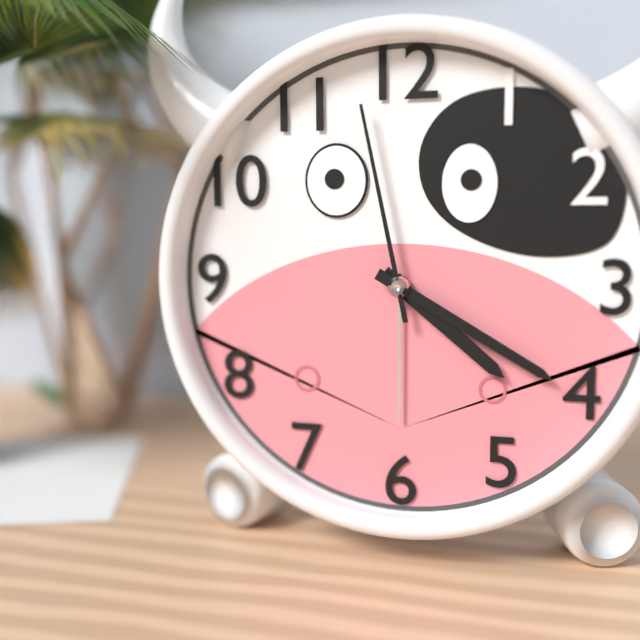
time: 4:20:58
